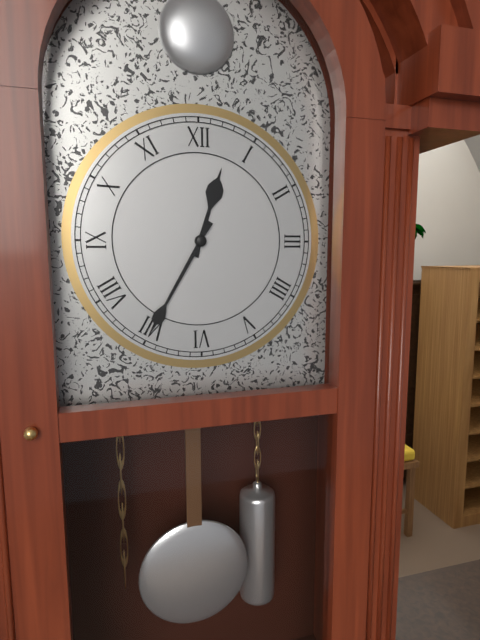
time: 12:35
